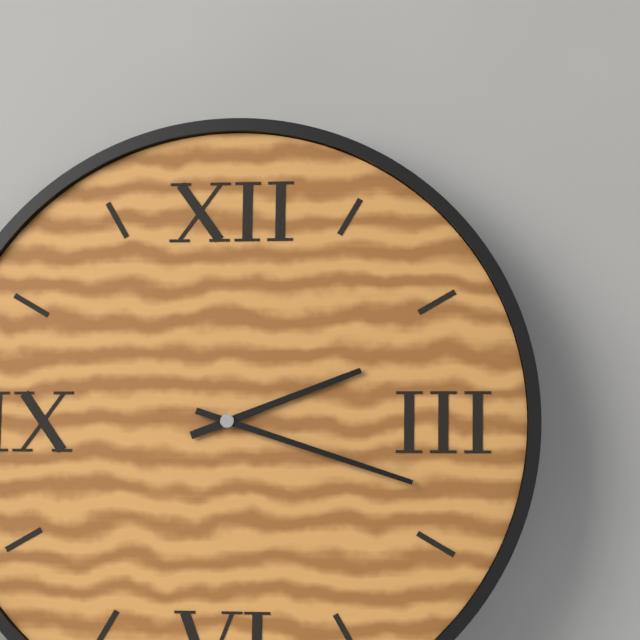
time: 2:18
